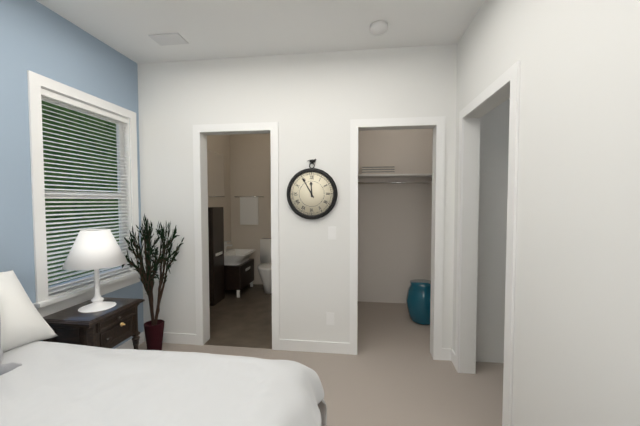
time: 11:55
